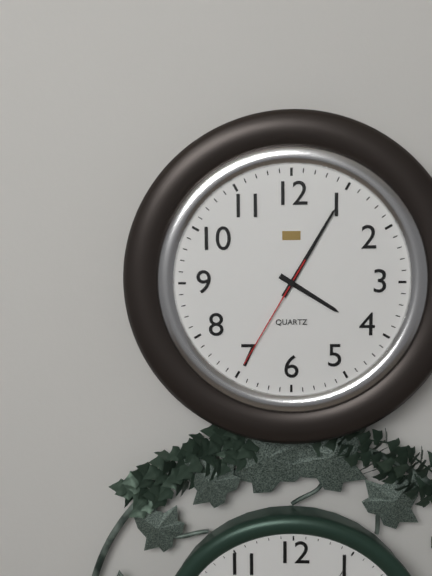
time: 4:05:35
